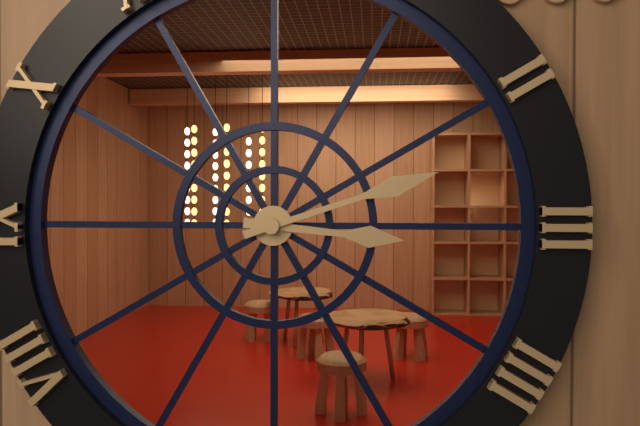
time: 3:12
